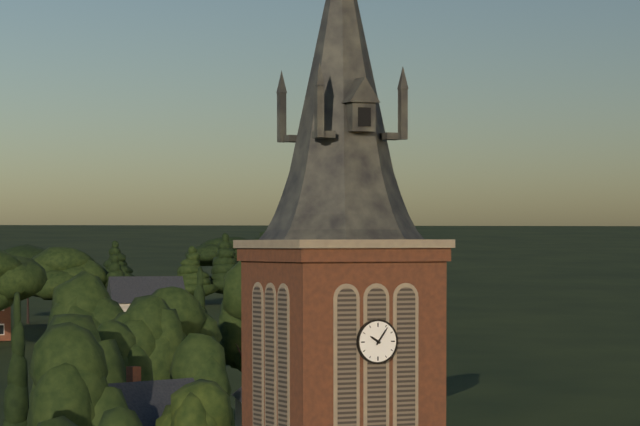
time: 10:06
